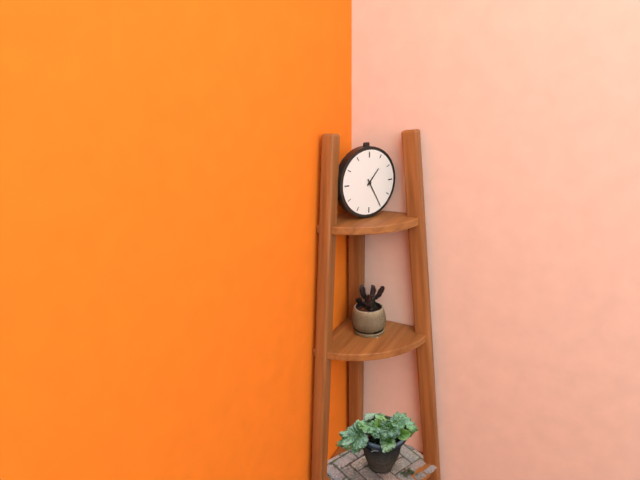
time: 1:25
